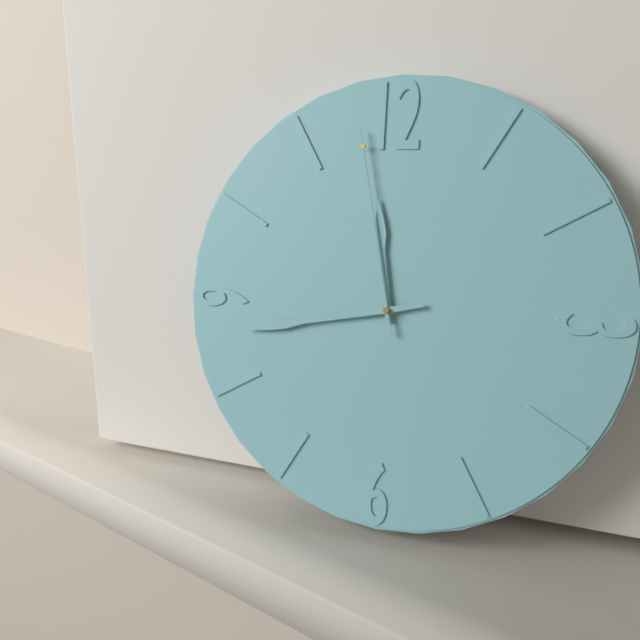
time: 11:43:58
